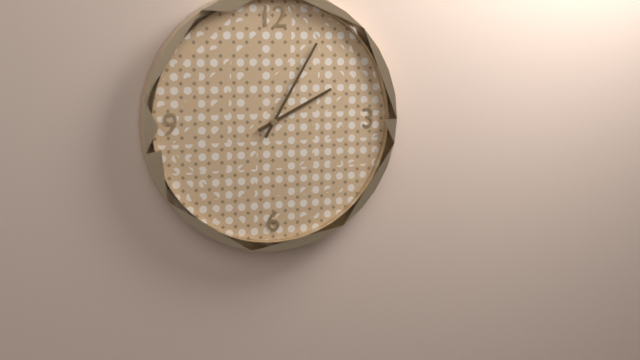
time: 2:05
